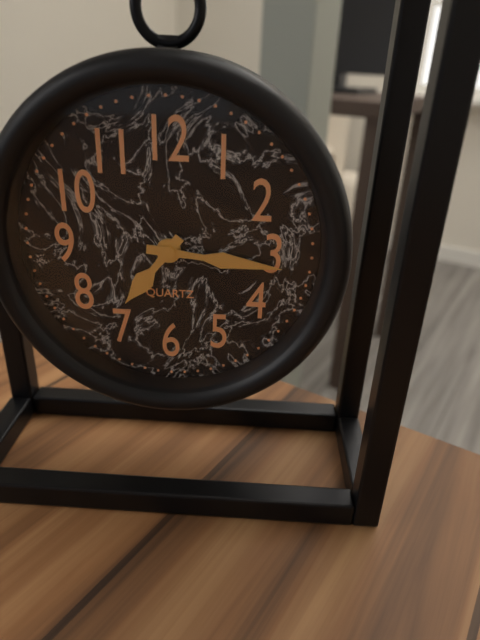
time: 7:16
